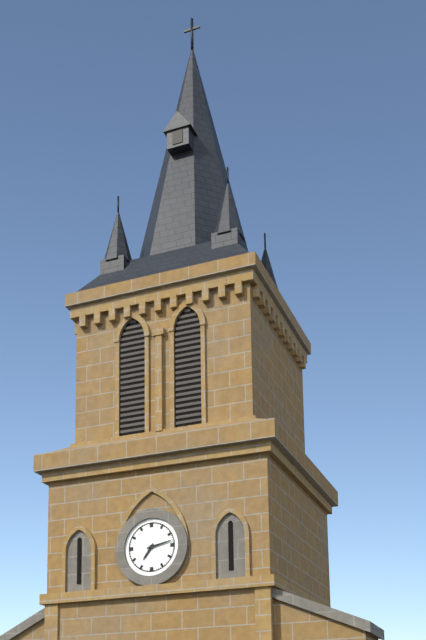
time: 7:13
